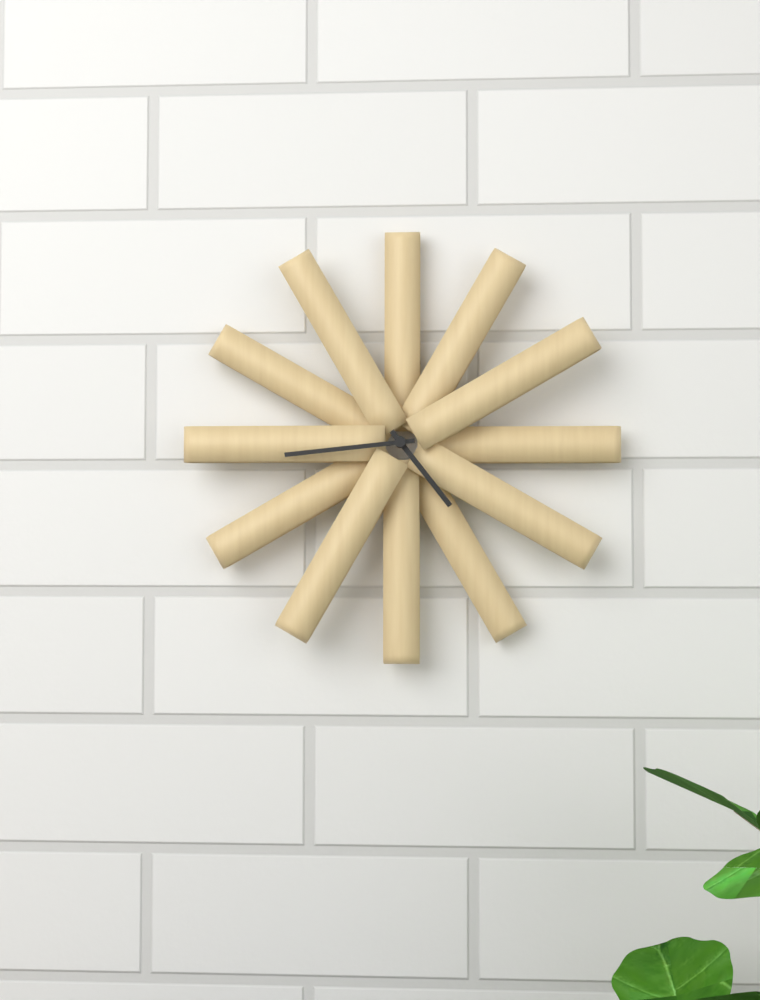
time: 4:44
